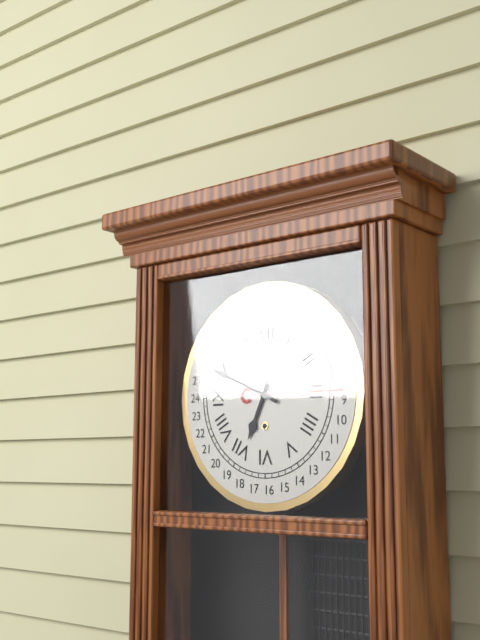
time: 6:49
